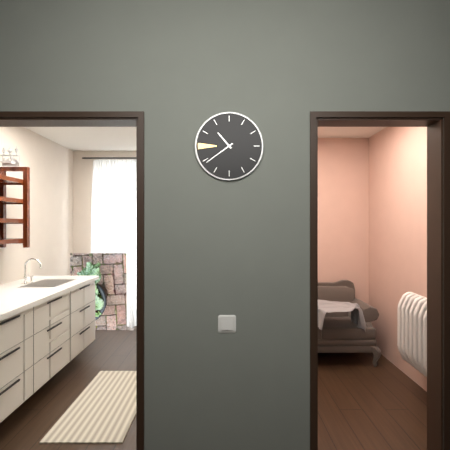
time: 10:39
